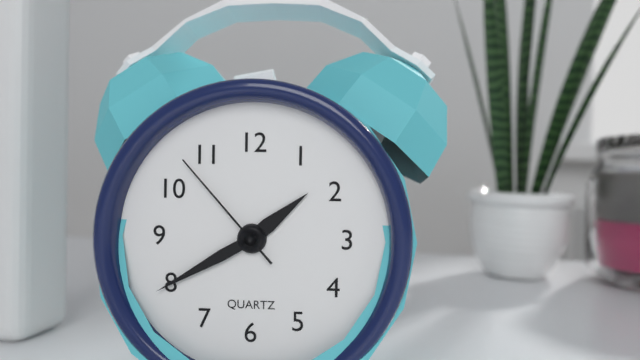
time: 1:40:53
